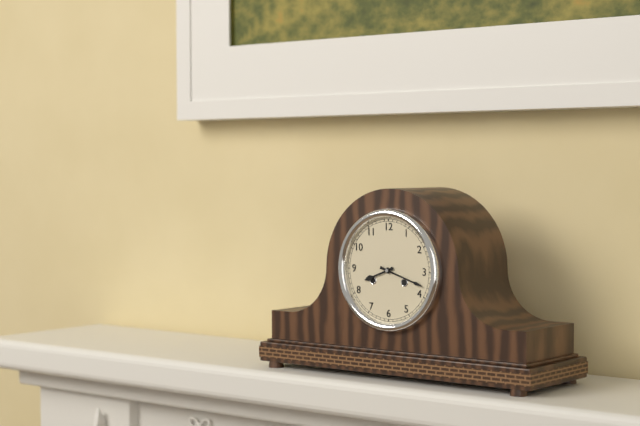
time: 8:18
